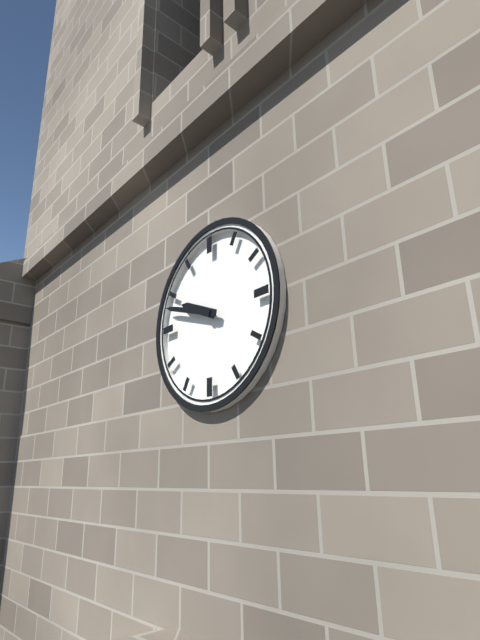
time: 9:48
